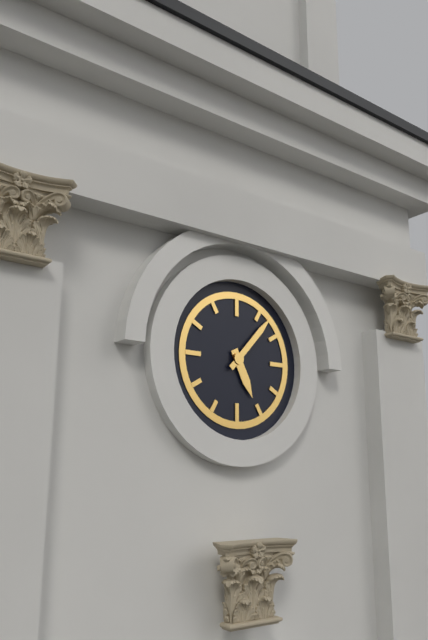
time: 5:07
